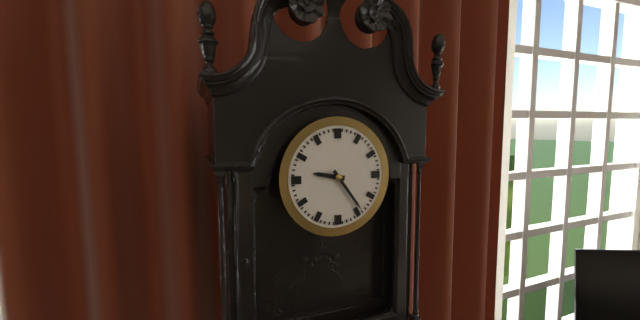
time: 9:24
